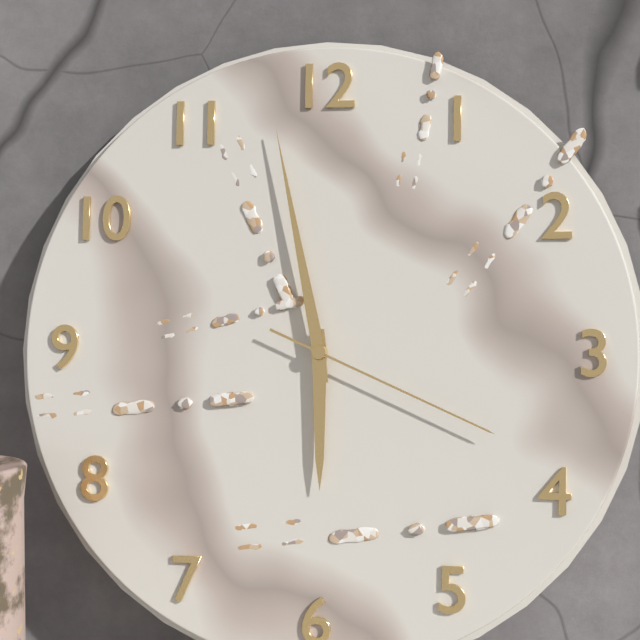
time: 5:58:19
